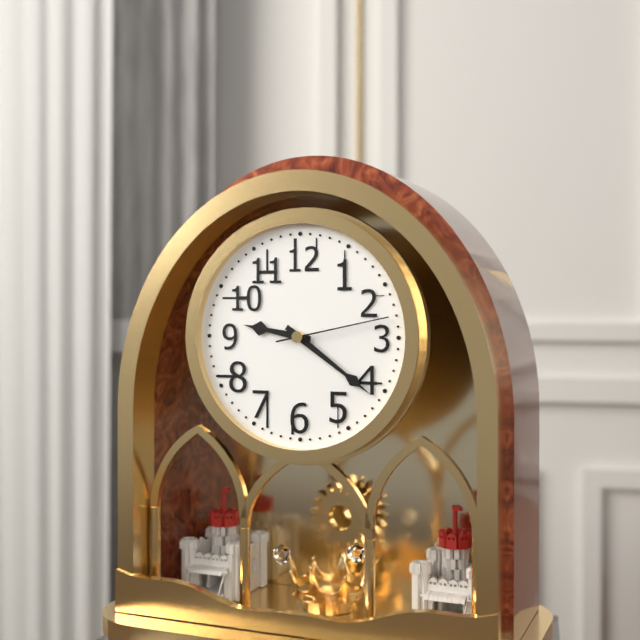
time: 9:21:13
